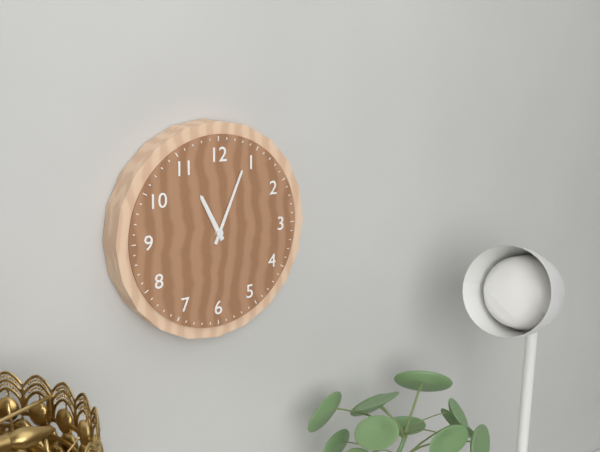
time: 11:04
